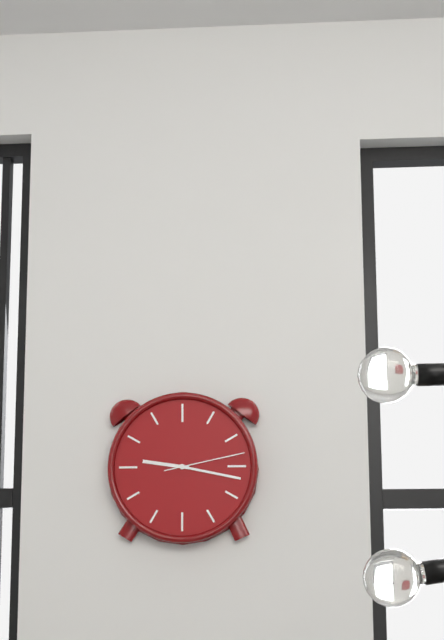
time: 9:17:13
